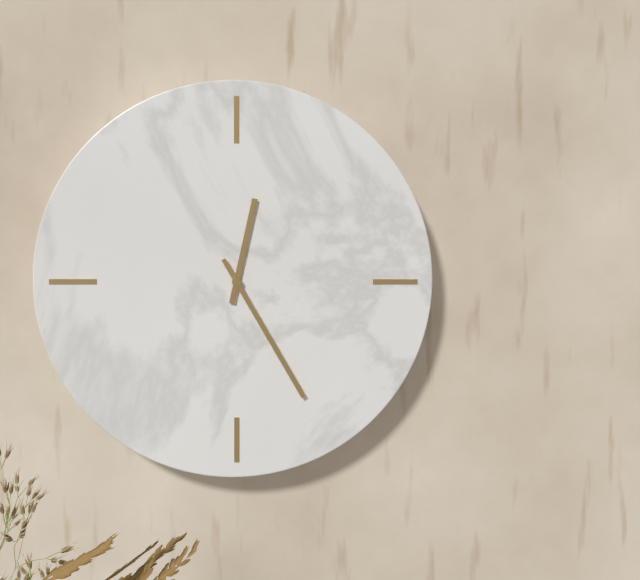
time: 12:25
